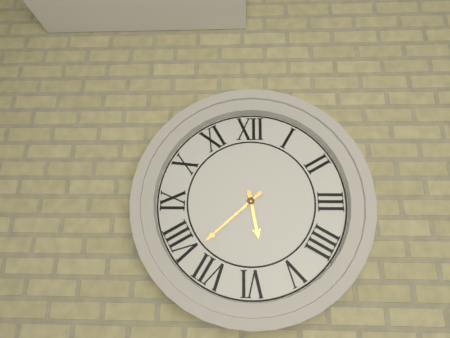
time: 5:38
